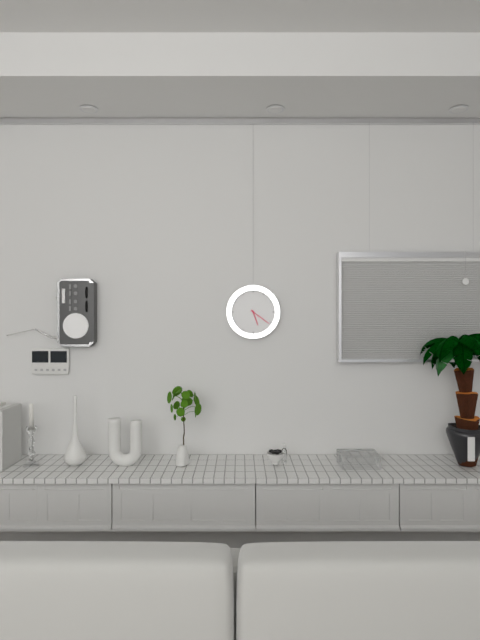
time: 5:21
